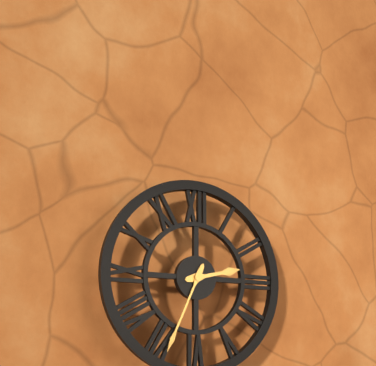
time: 2:34
